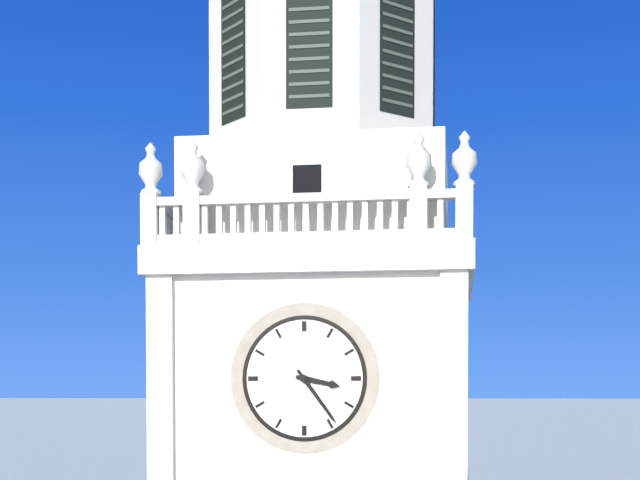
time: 3:24
